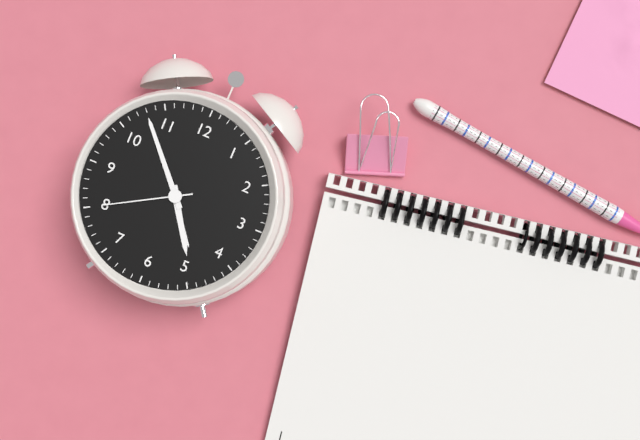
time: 4:53:40
